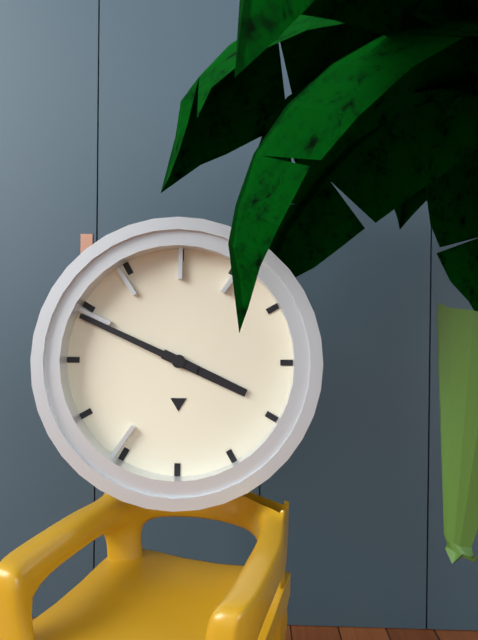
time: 3:49
